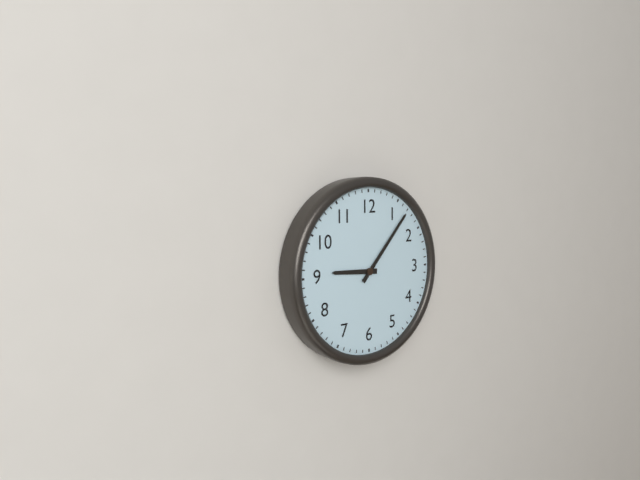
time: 9:07
